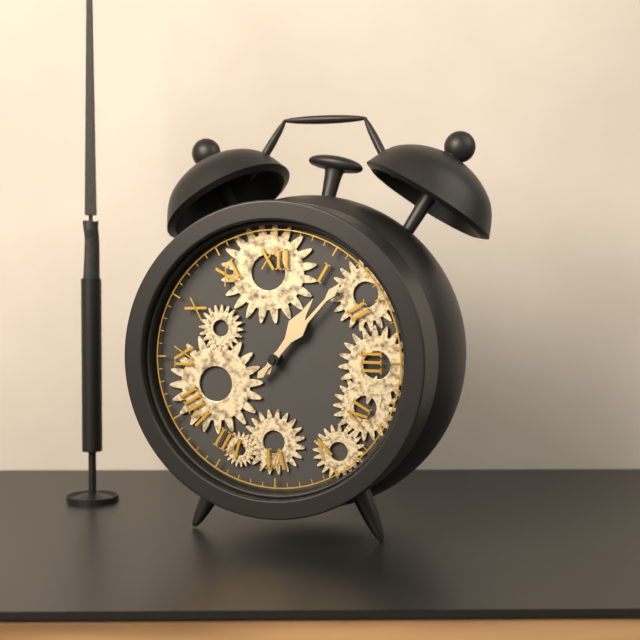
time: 1:07
